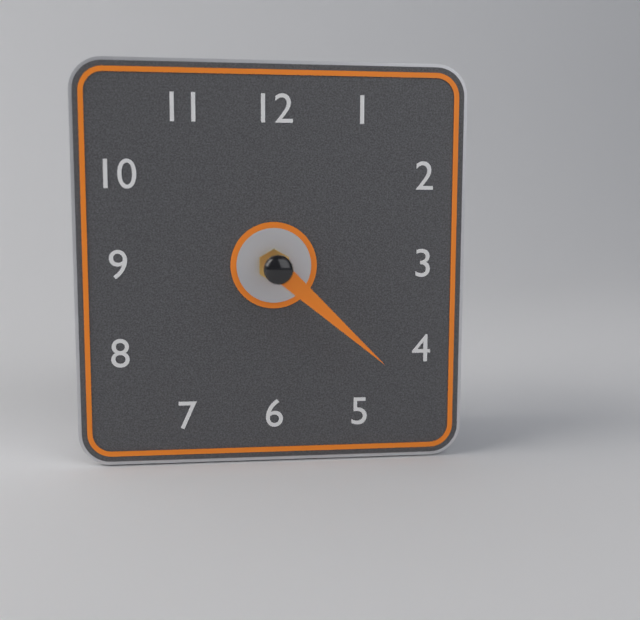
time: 4:22
